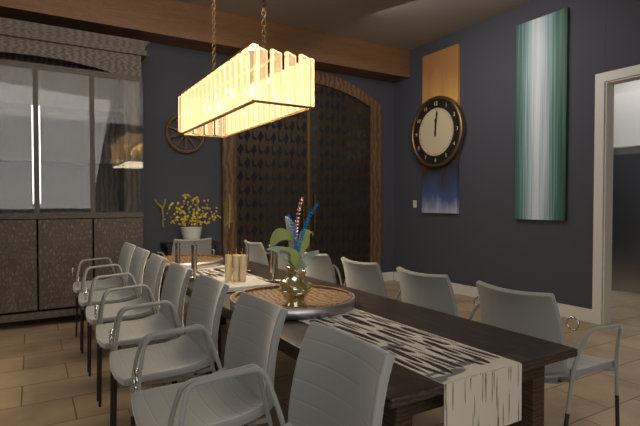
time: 12:01
